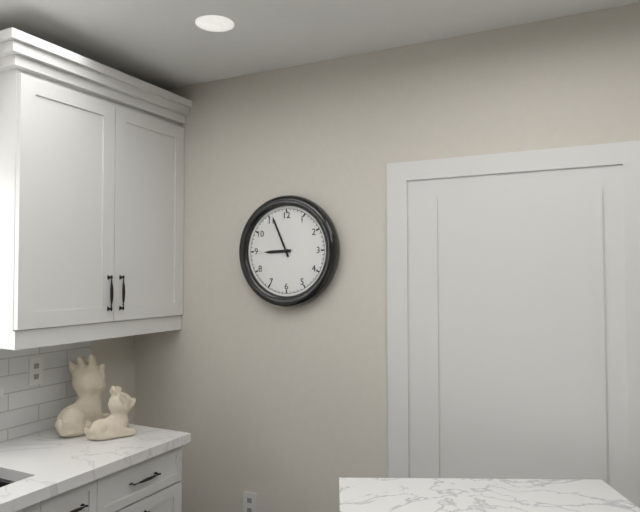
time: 8:56
